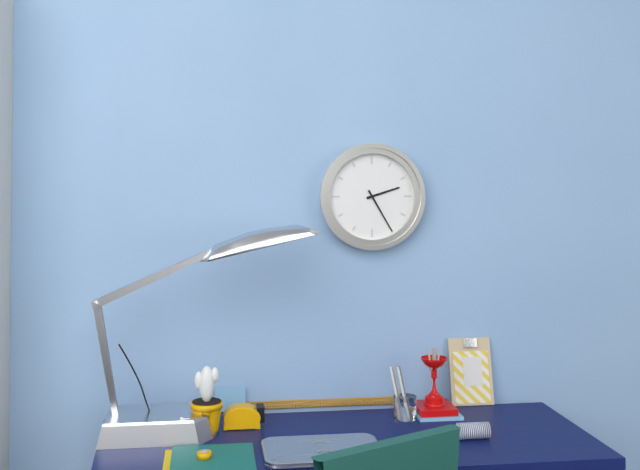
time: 2:25
